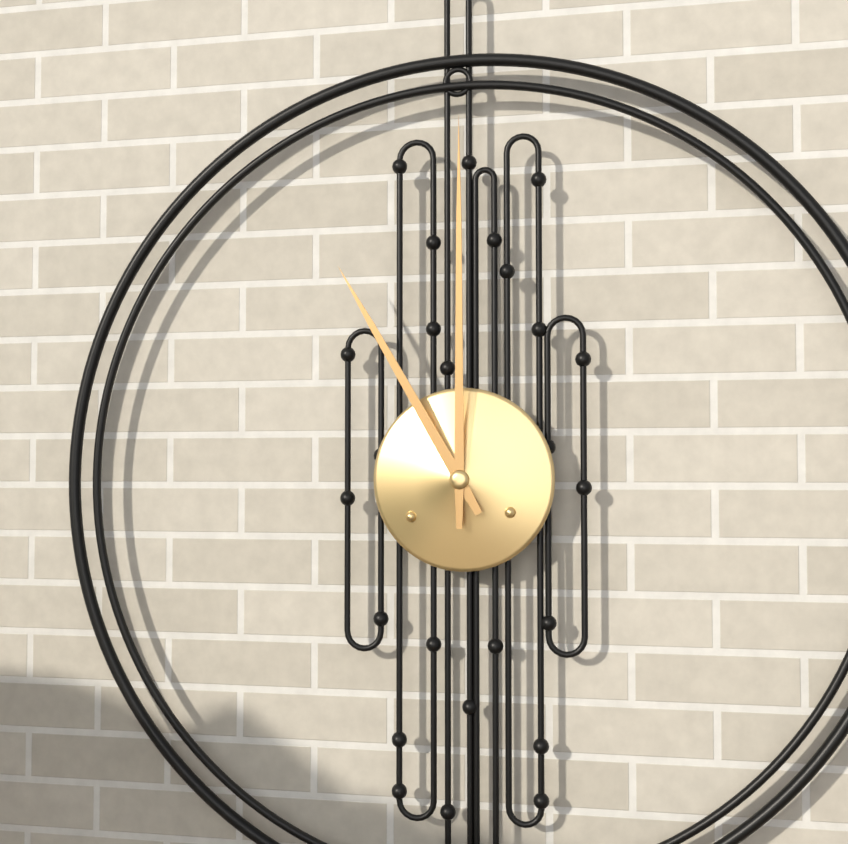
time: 11:00
